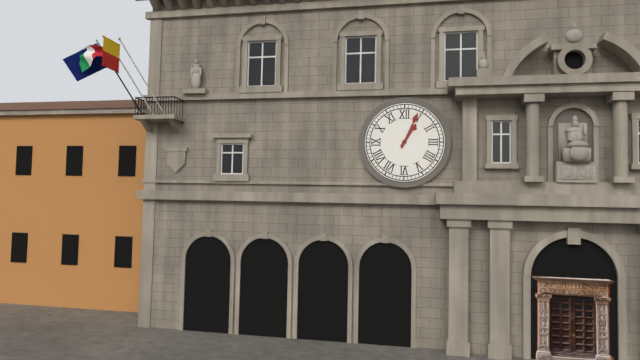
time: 1:04
